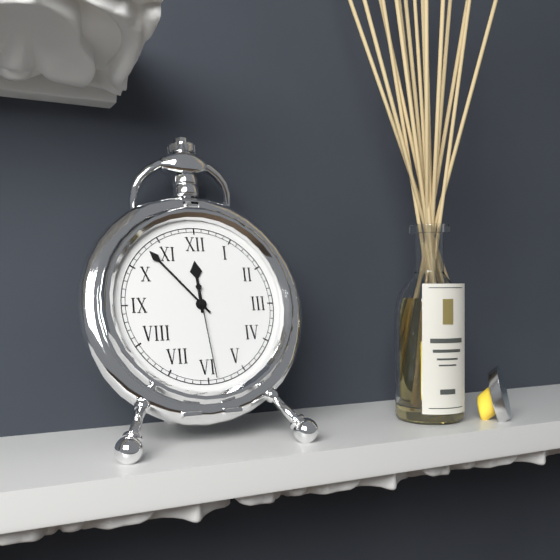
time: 11:53:29
